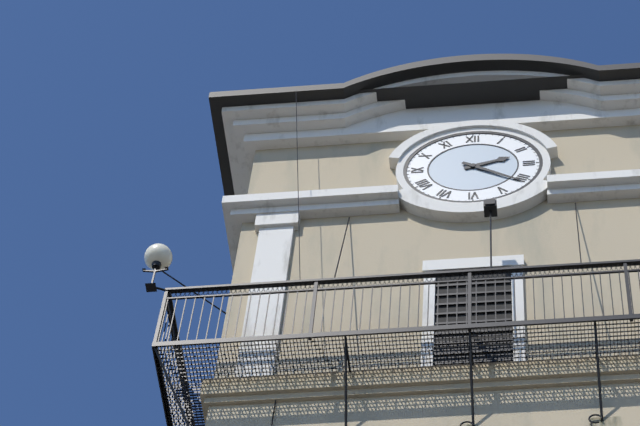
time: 2:21
